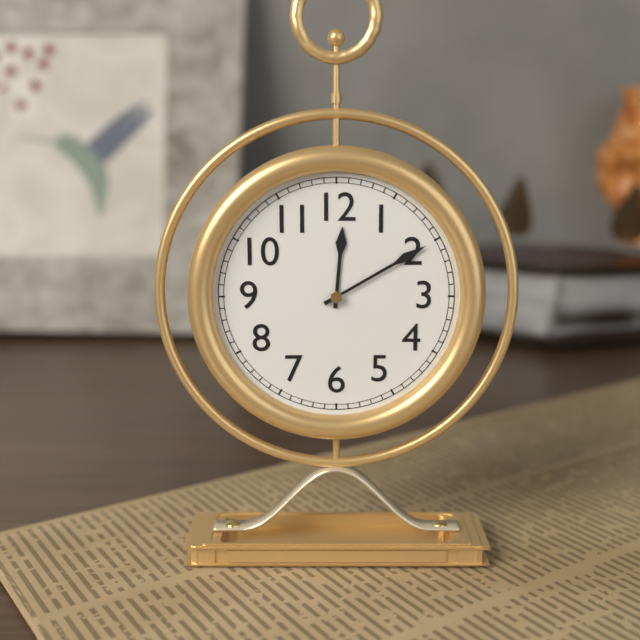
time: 12:10
